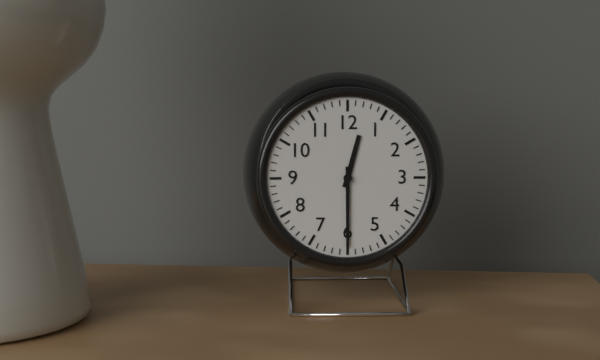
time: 12:30
